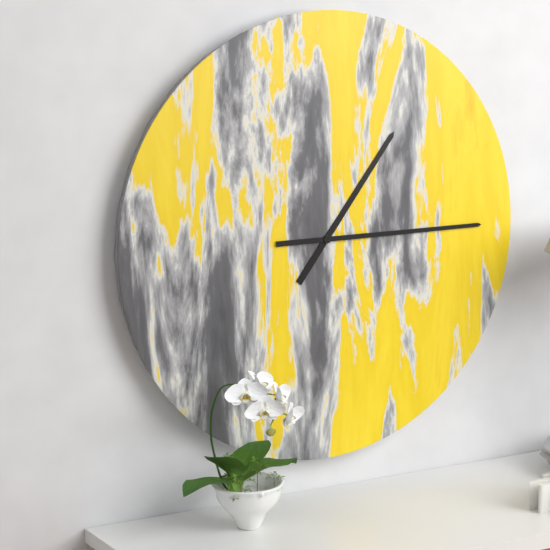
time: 1:15
